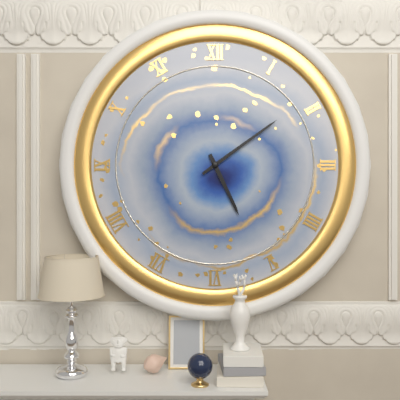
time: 5:09
